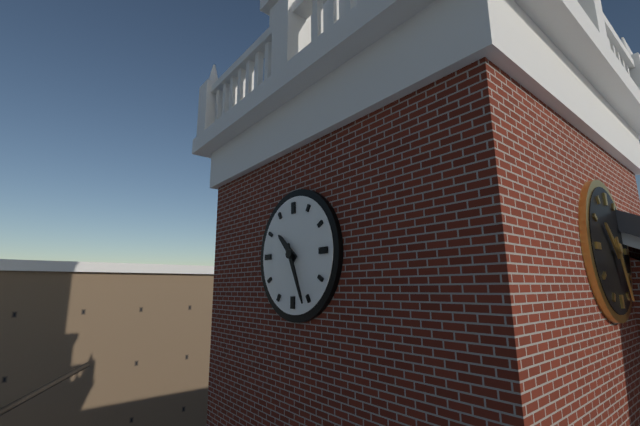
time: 10:26
